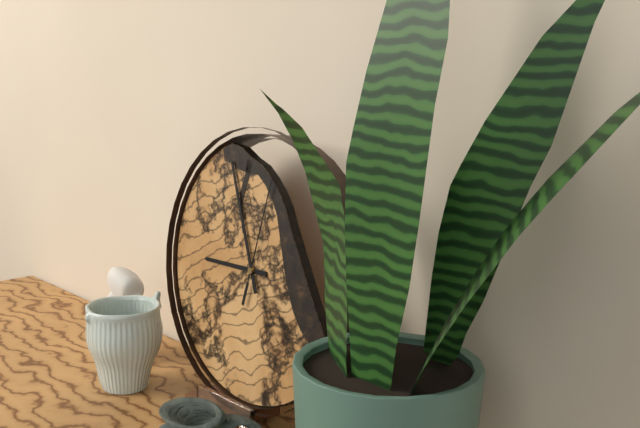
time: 8:56:02
